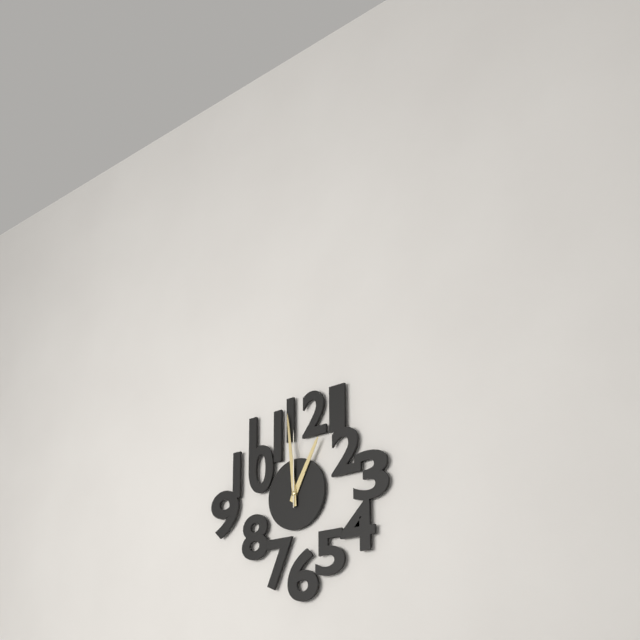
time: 12:59:00
